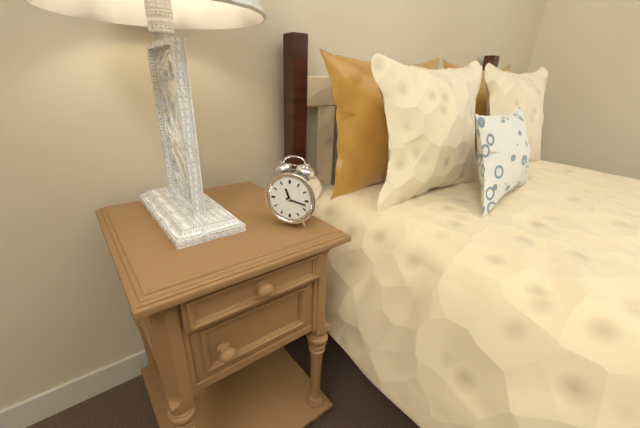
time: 11:17
